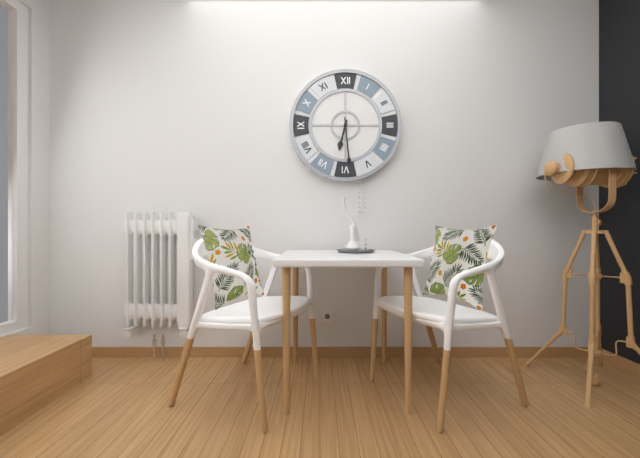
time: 6:29
